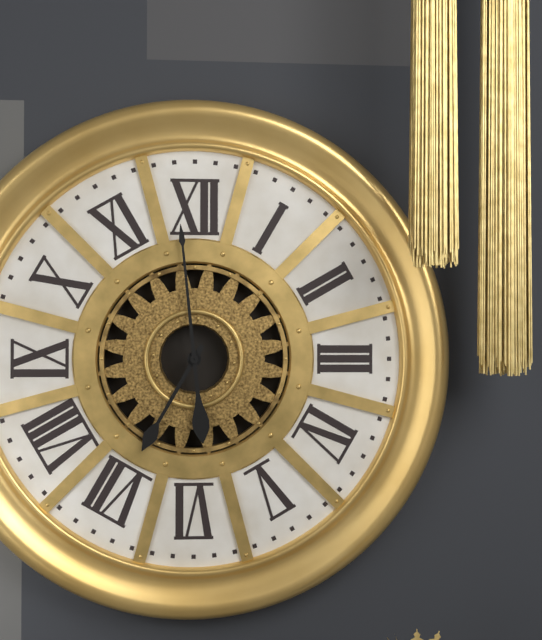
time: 6:59
